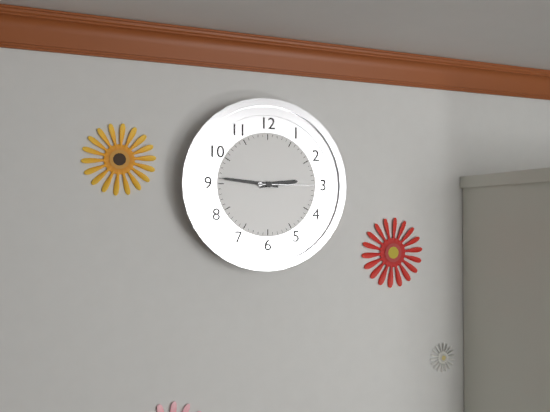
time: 2:46:15
